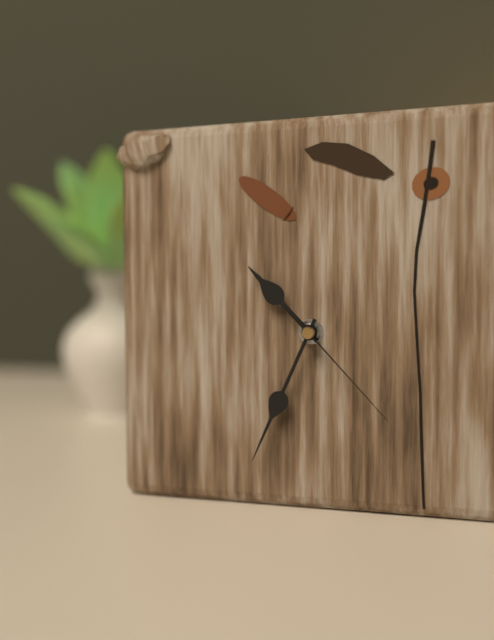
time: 10:34:23
